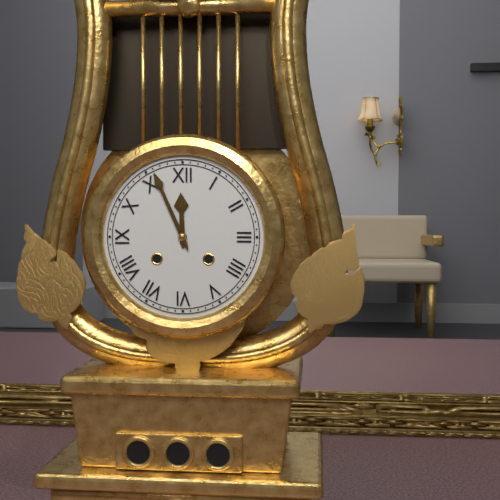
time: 11:56
